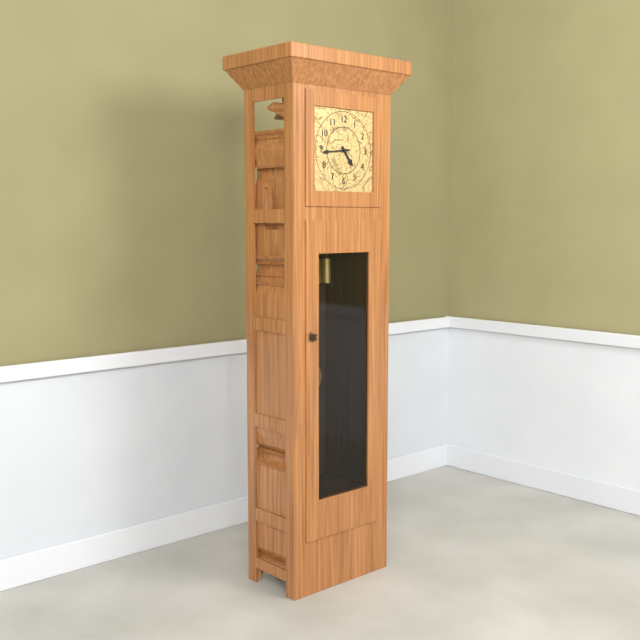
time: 4:44
